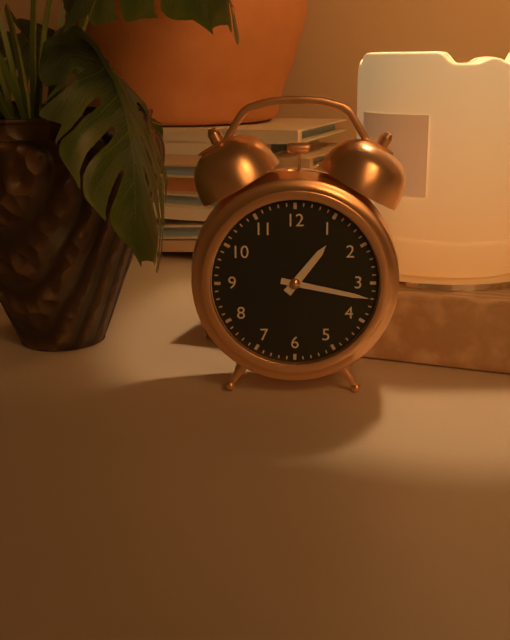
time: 1:17
